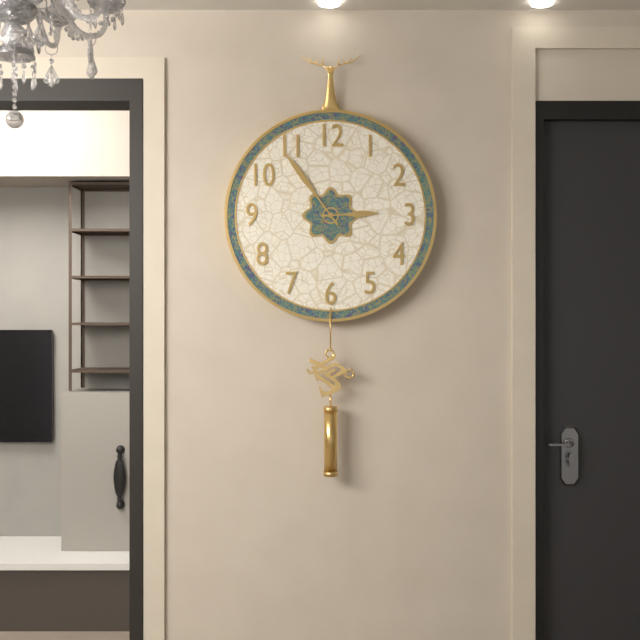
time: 2:54
